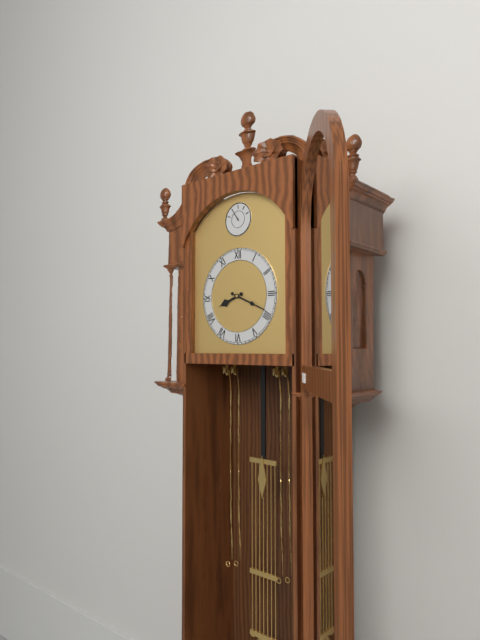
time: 8:19
